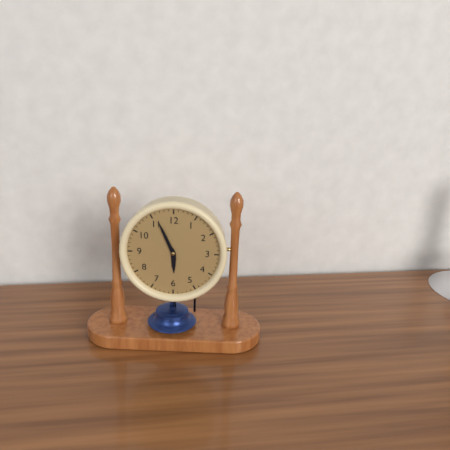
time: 5:56
